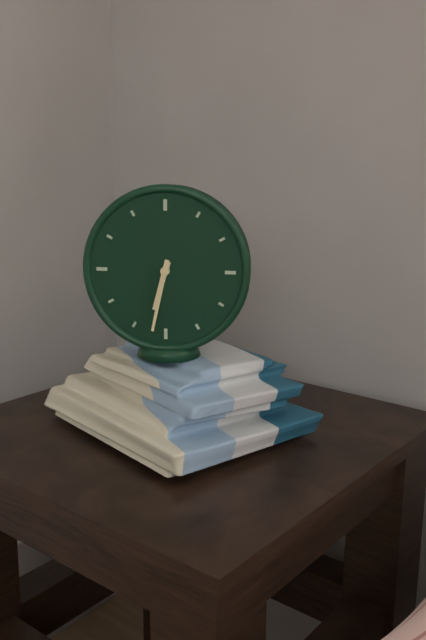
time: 6:32
